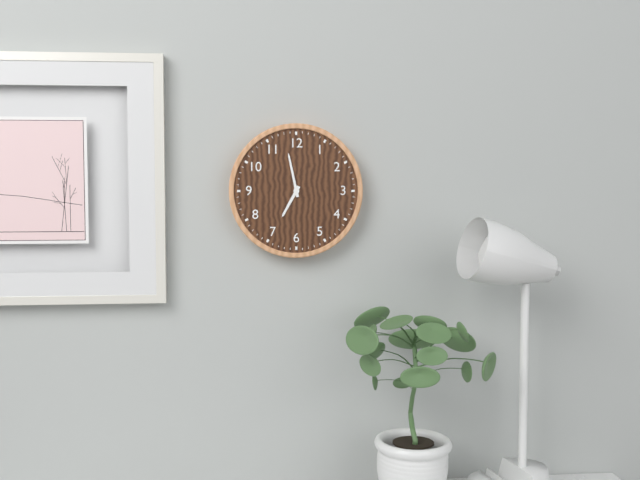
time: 6:58
